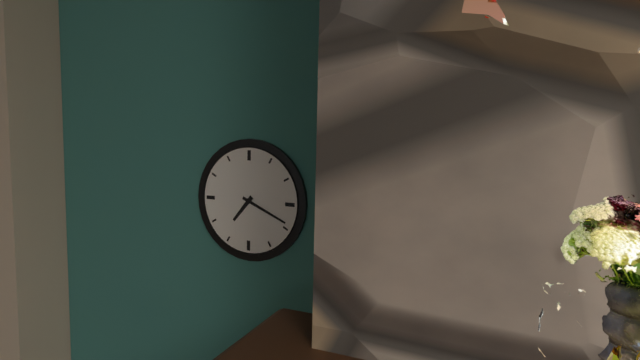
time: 7:19
